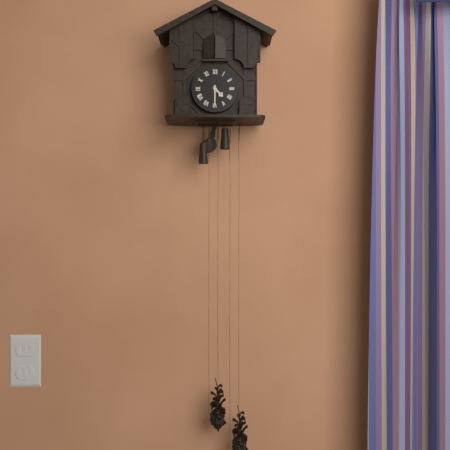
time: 4:30
